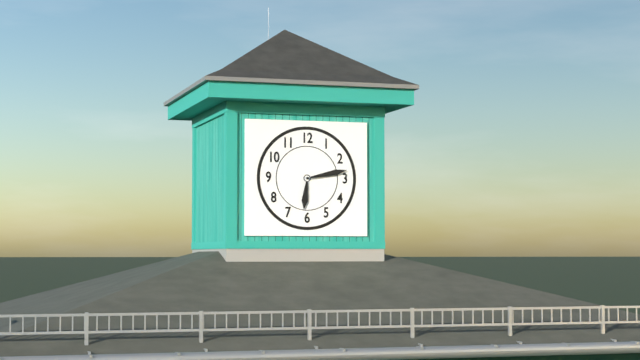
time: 6:13
